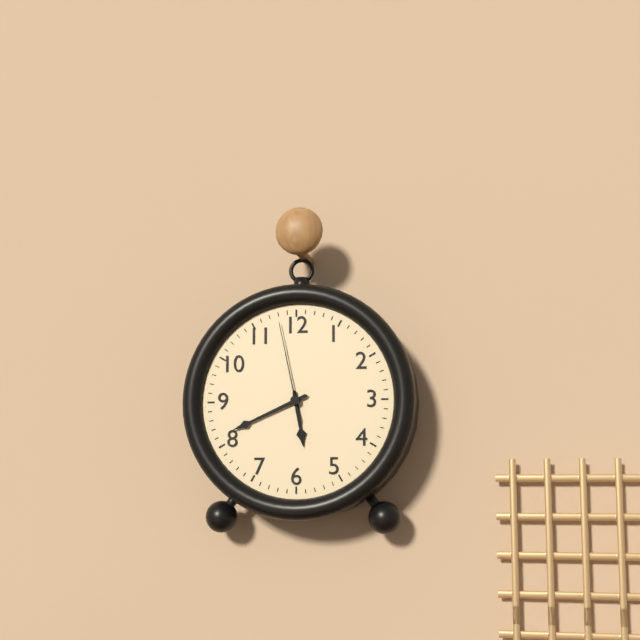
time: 5:41:58
